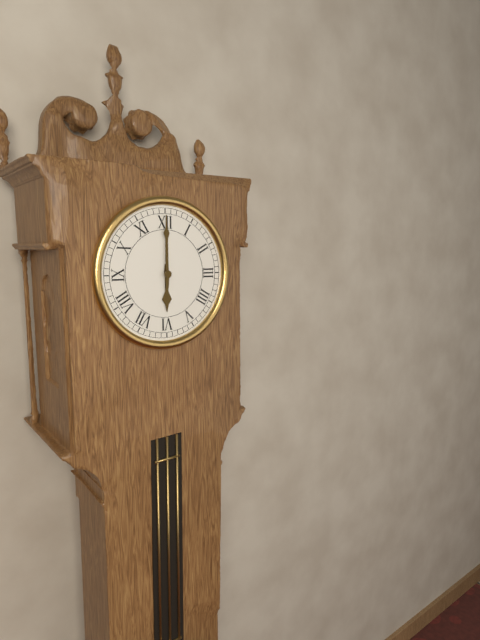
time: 6:00
